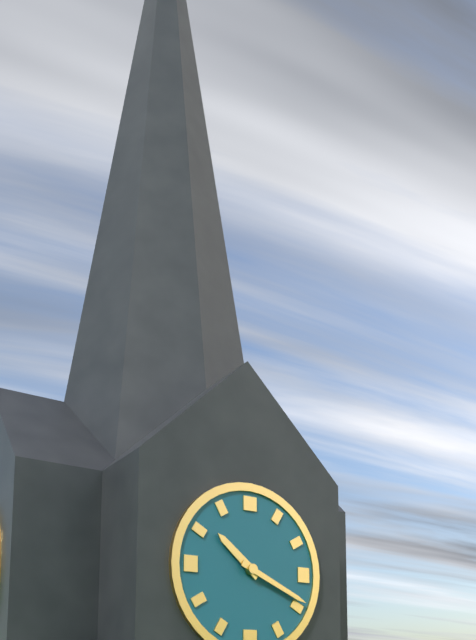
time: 10:19
